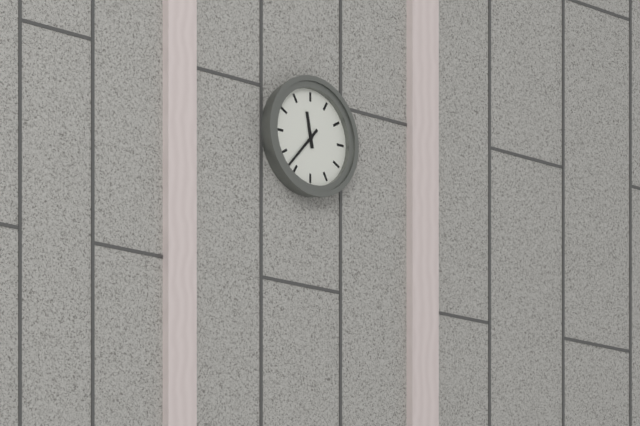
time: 11:37
